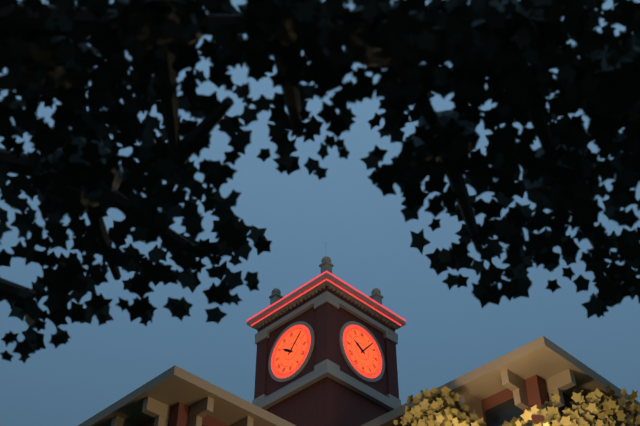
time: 10:07
